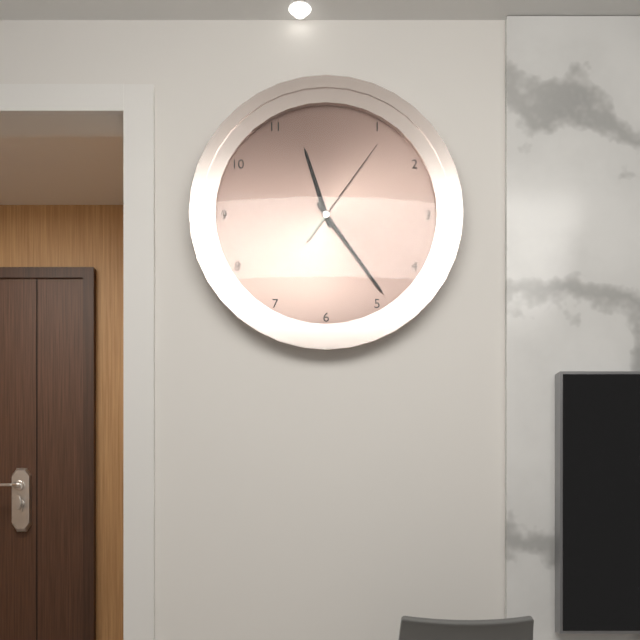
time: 11:24:06
